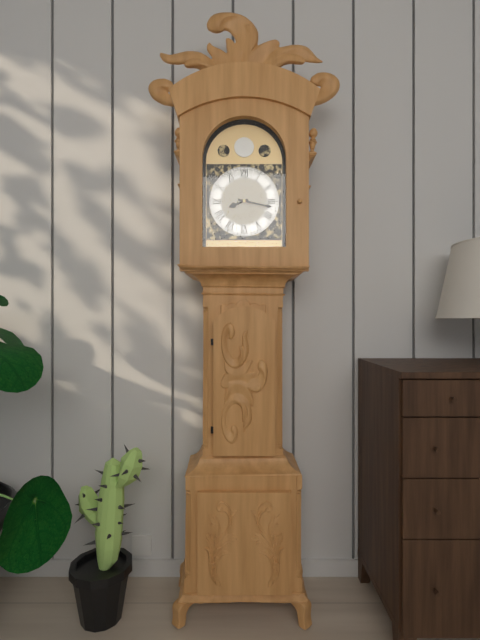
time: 8:17
